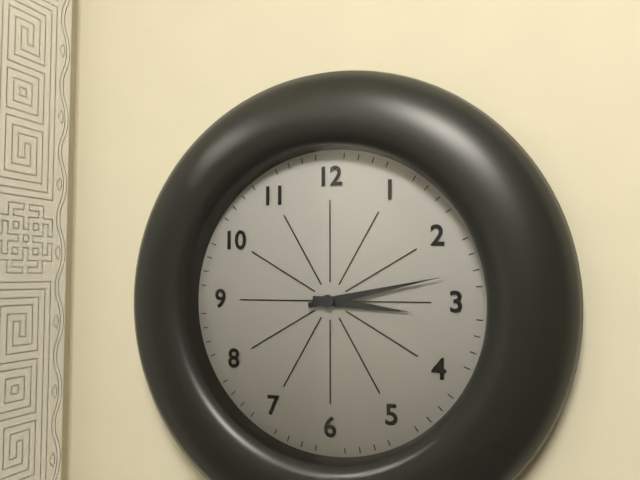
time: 3:13
